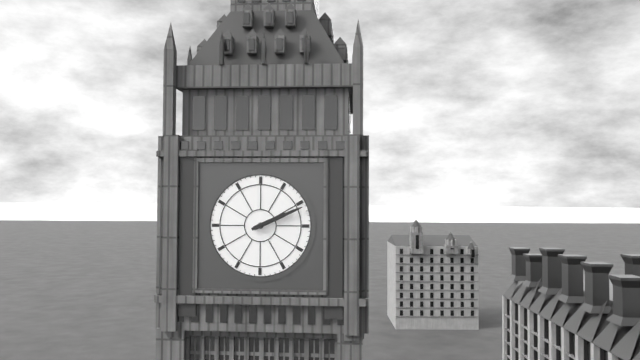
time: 2:11
